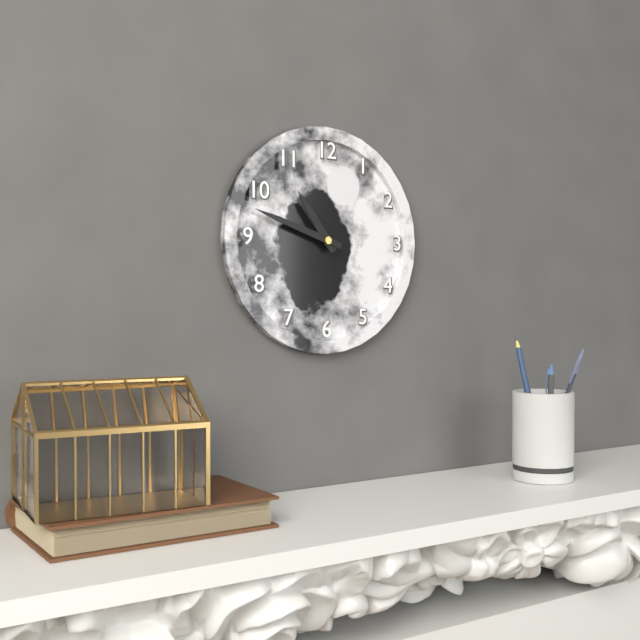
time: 10:48
